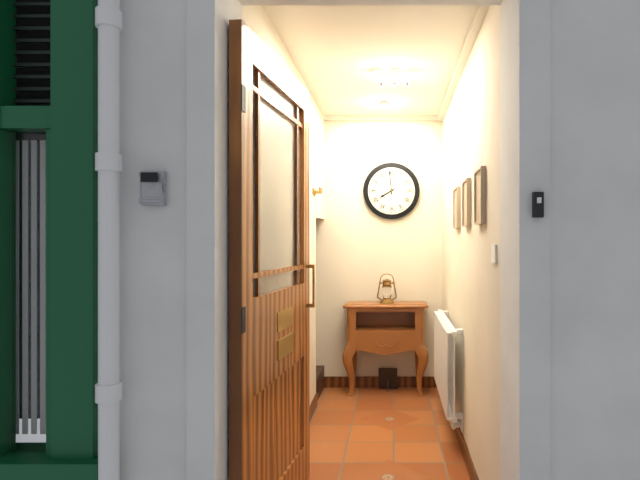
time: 7:59
